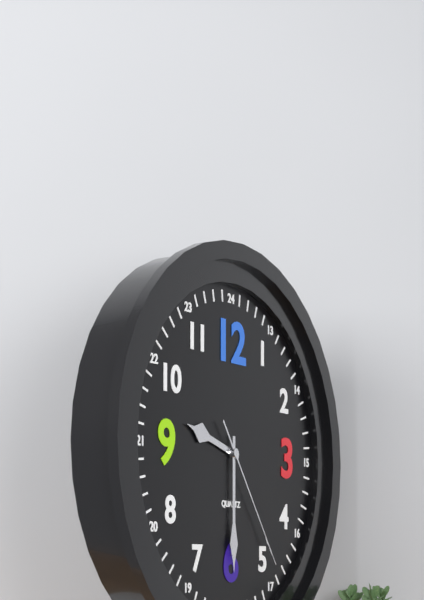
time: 9:30:24
